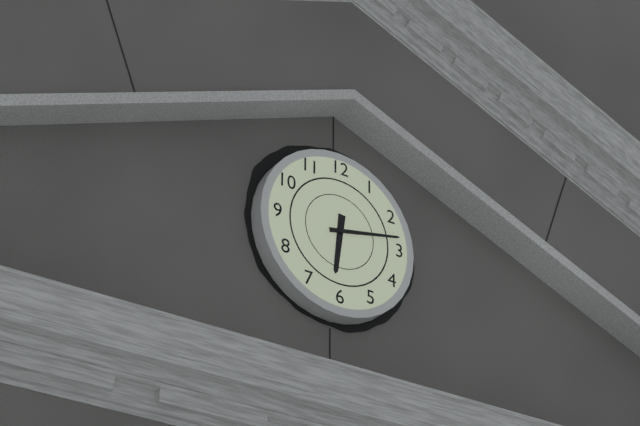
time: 6:13
